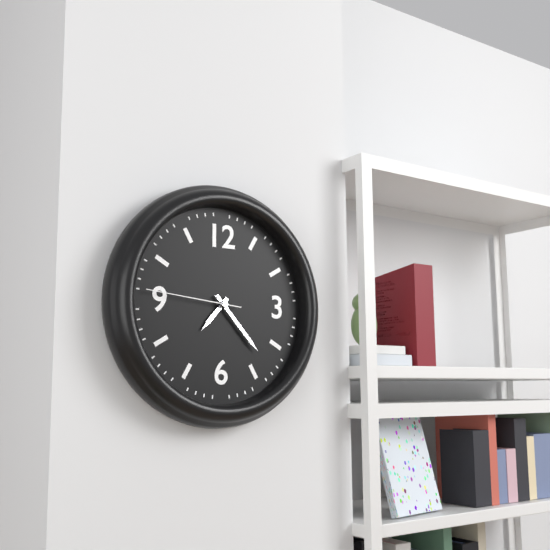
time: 7:23:46
